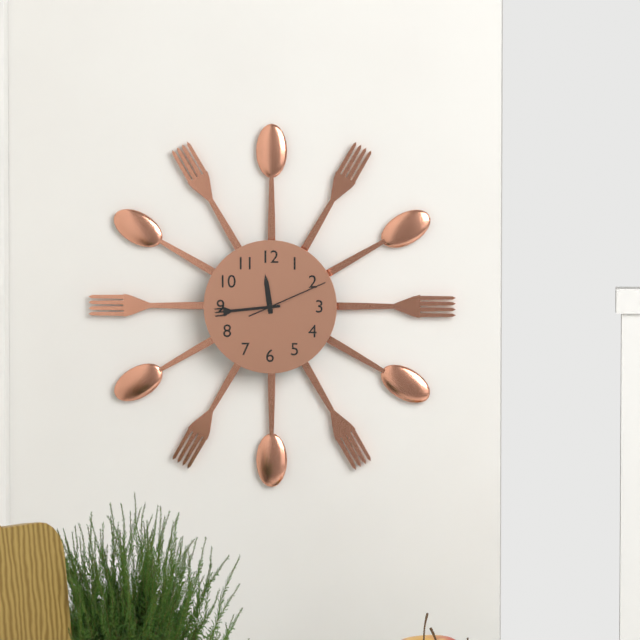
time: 11:44:11
